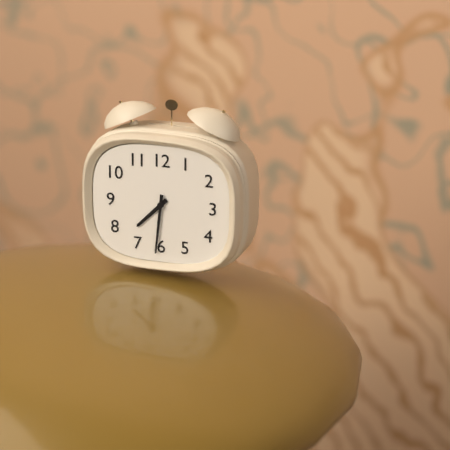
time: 7:31
